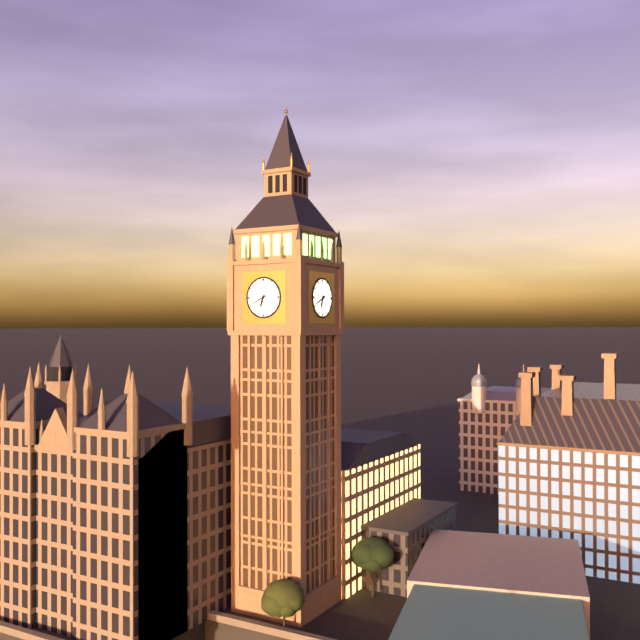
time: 6:41
